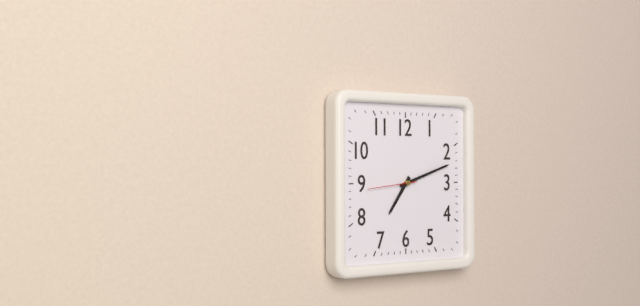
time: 7:12
